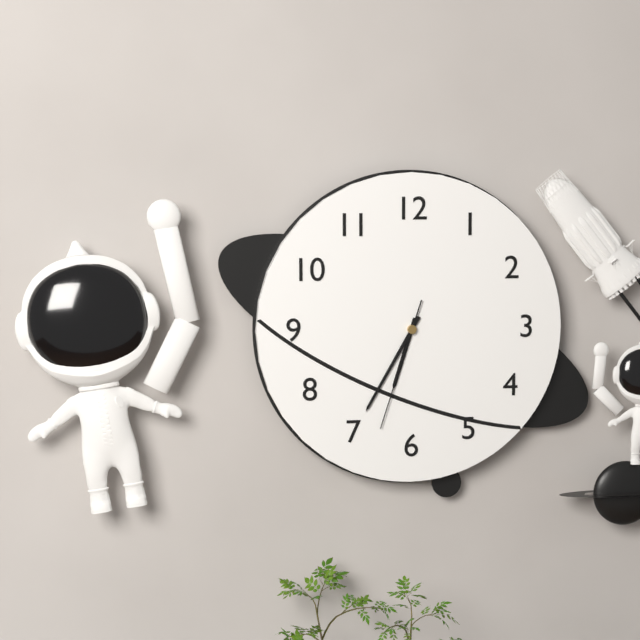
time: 6:35:33
